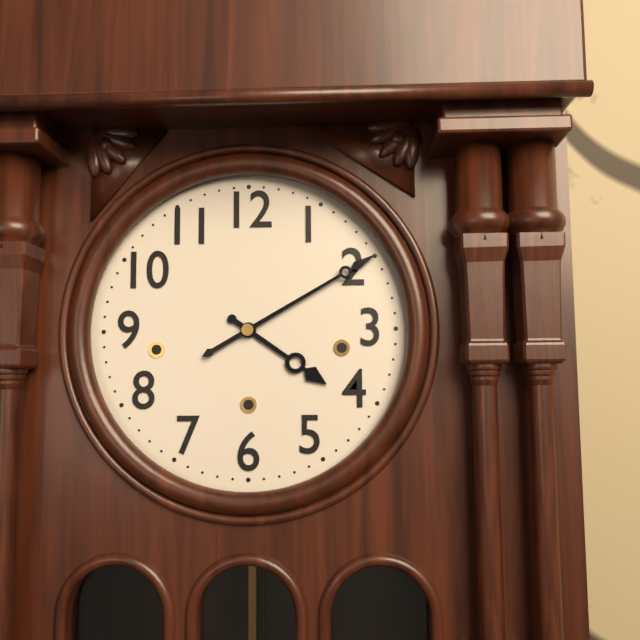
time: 4:10
